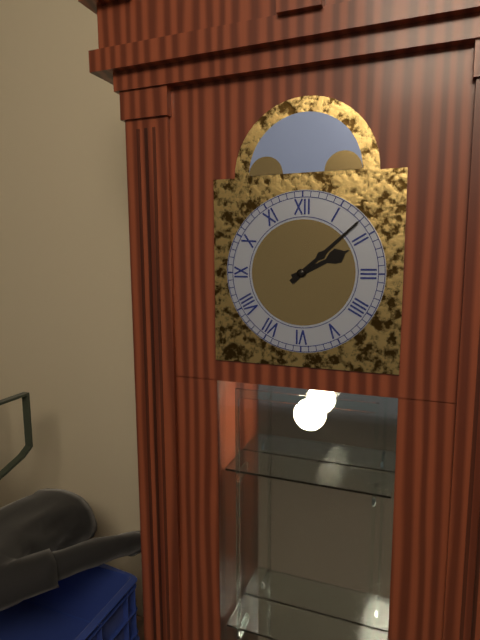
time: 2:08
